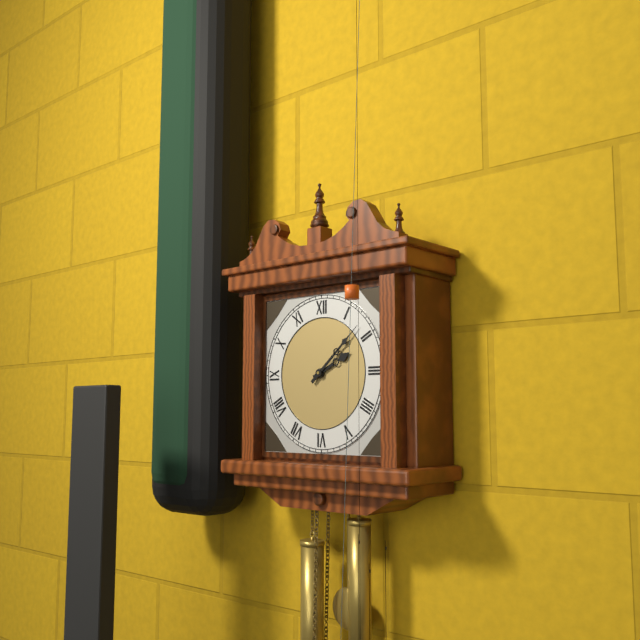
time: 2:08
